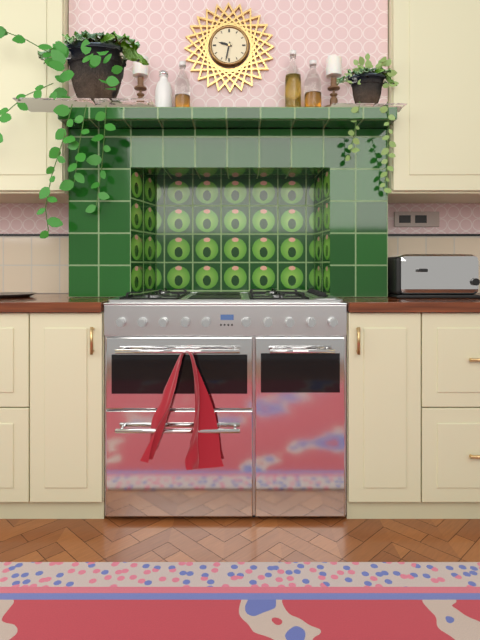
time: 9:32
